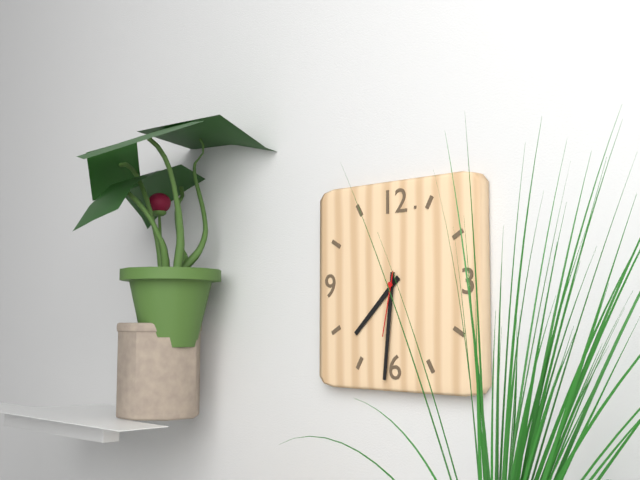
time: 7:31:32
